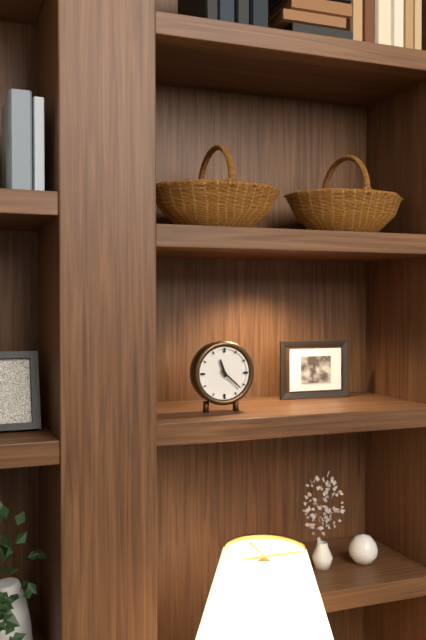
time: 11:22
